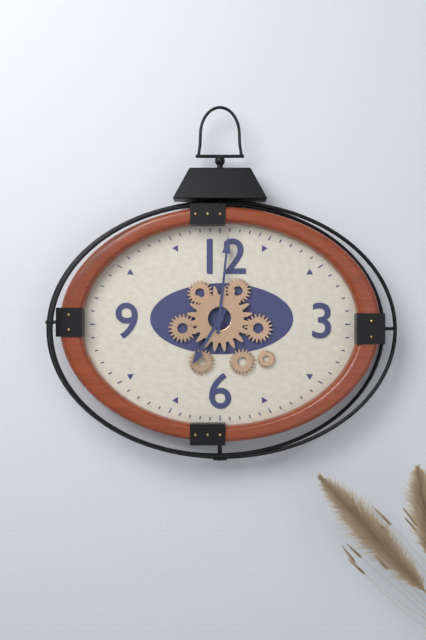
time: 7:01
